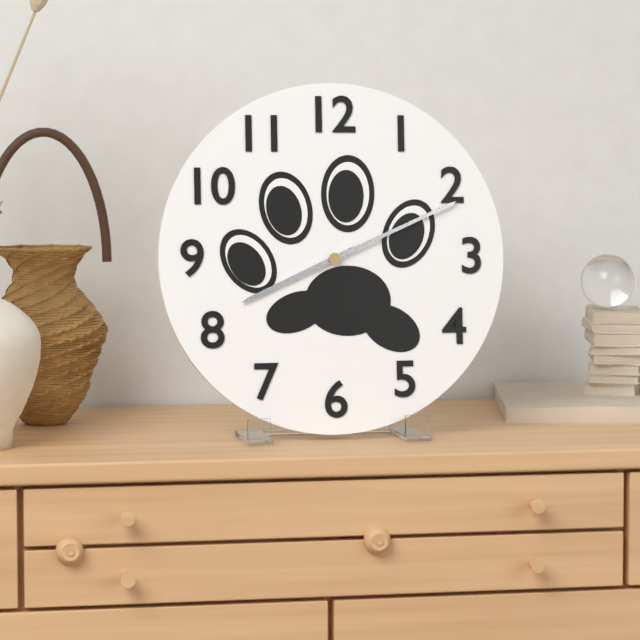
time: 8:11
